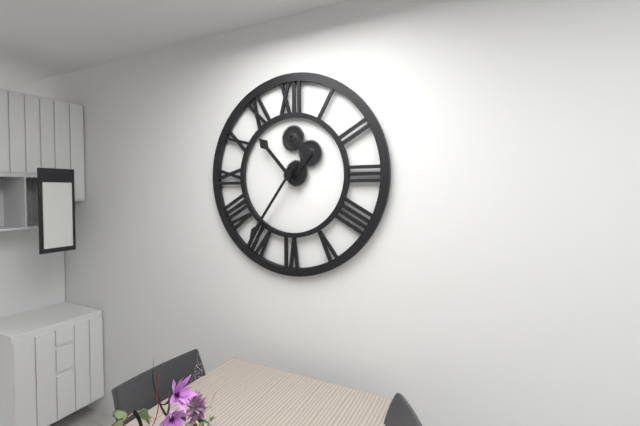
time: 10:36
